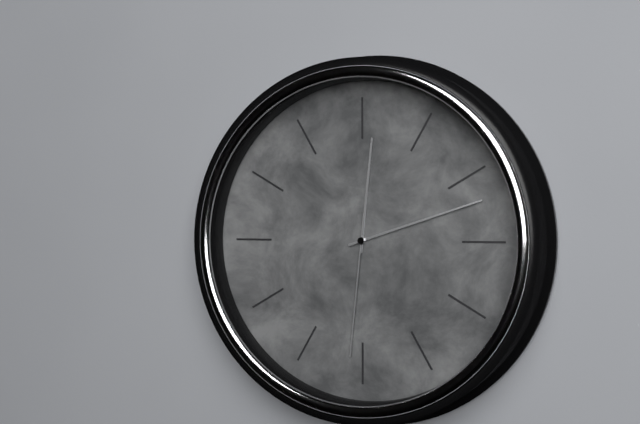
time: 12:12:31
